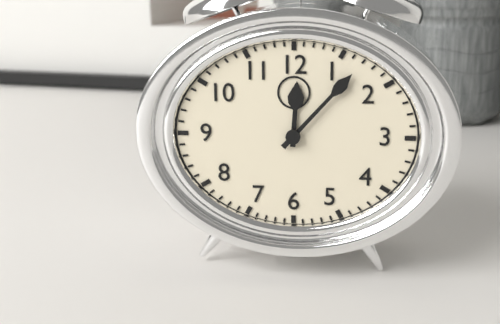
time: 12:07
